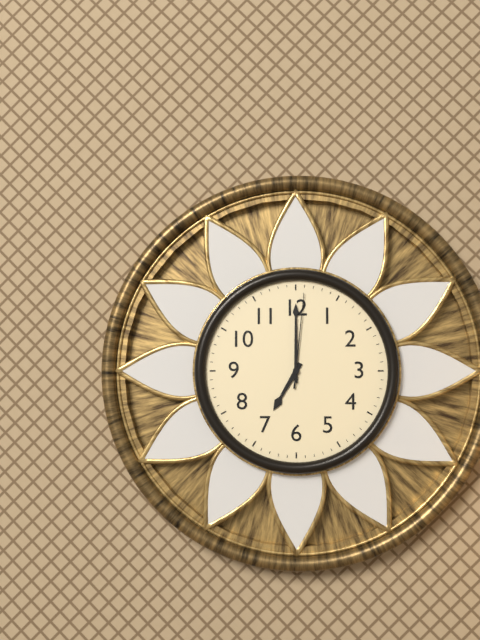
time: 7:00:01
